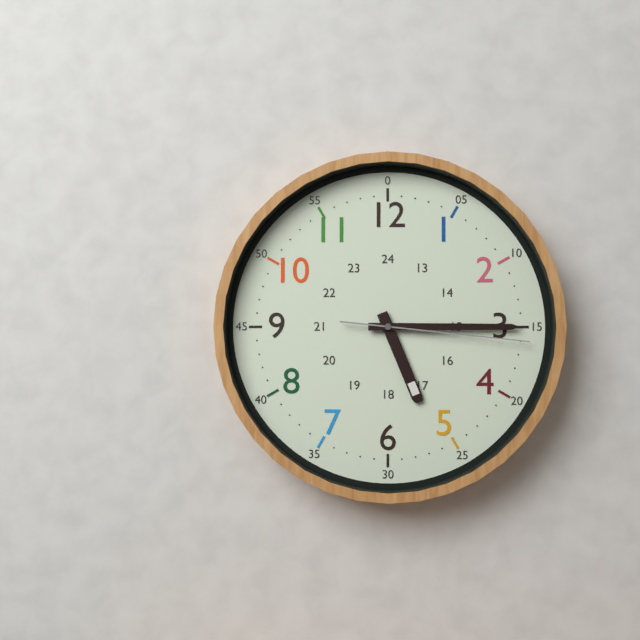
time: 5:15:16
